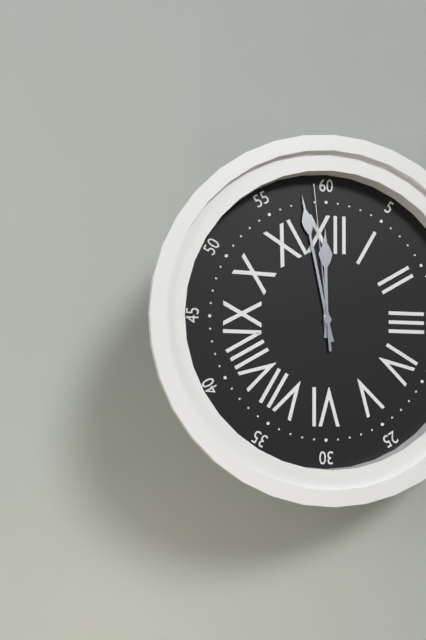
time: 11:58:59
